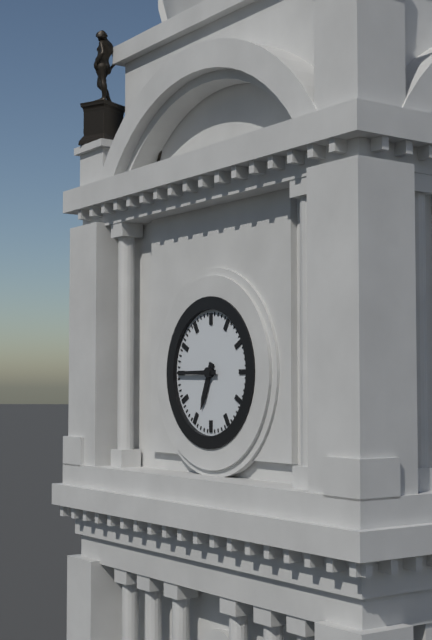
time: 6:45
